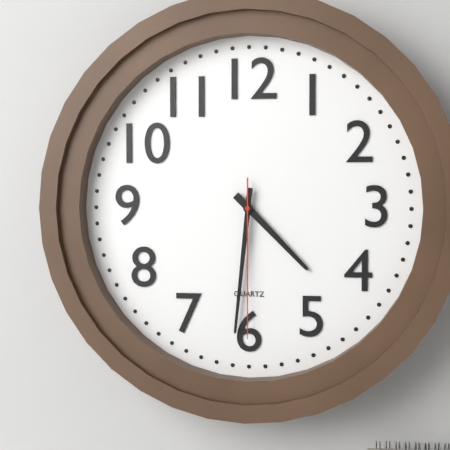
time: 4:31:30
